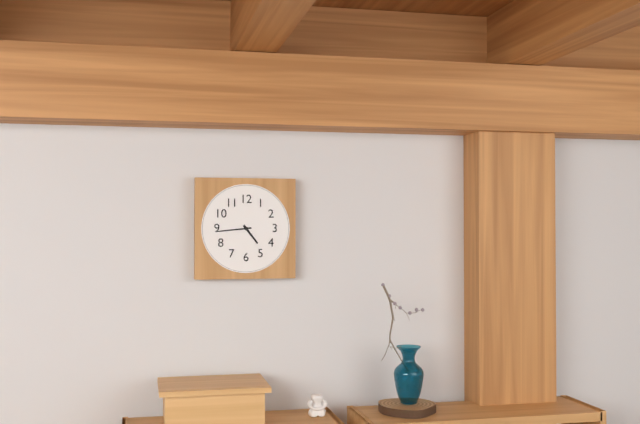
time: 4:44
